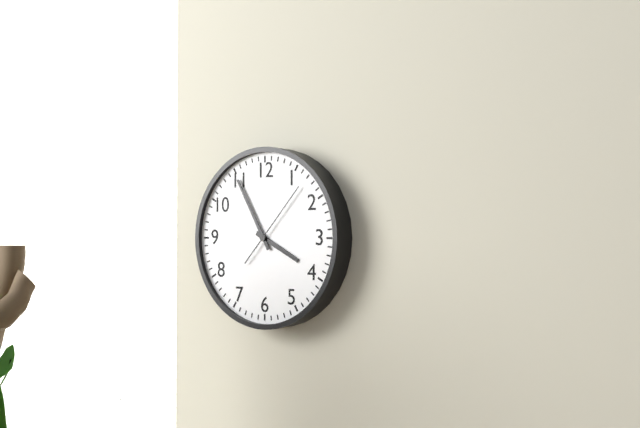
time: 3:55:07
